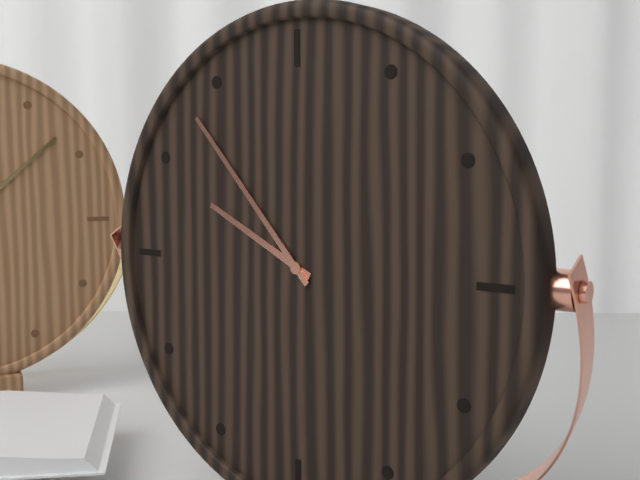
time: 9:53
